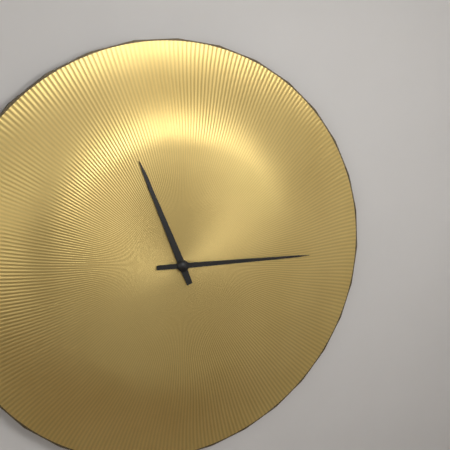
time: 11:15
